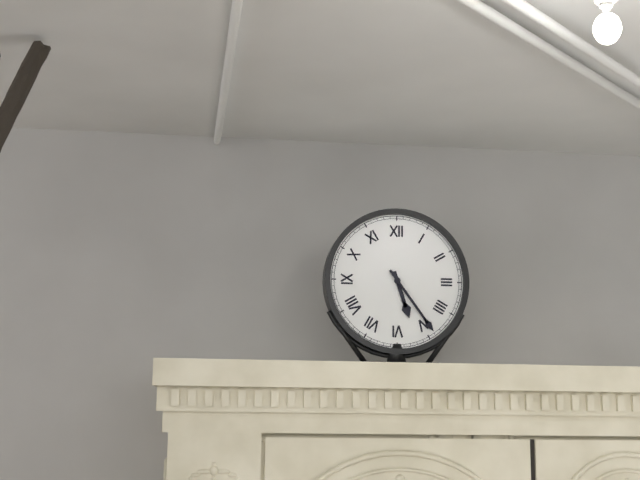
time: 5:24
